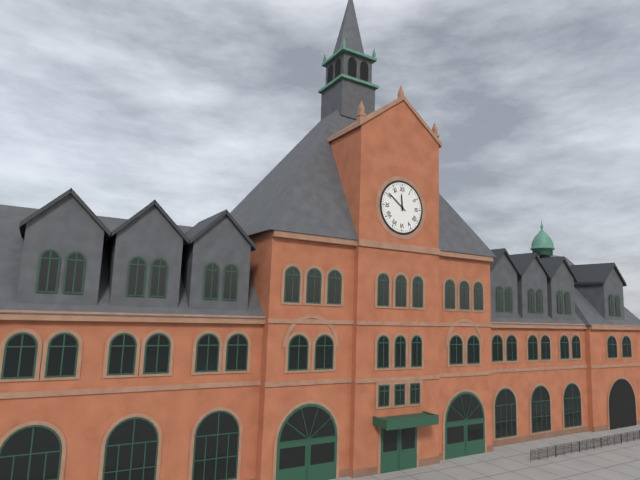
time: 11:51
